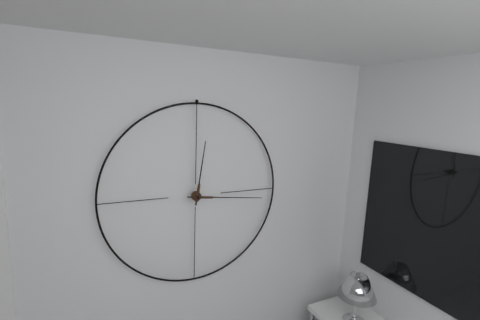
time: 12:16
